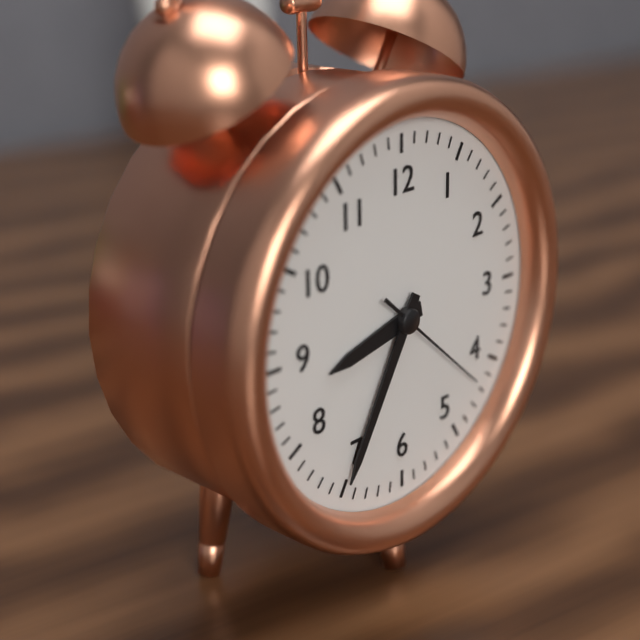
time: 8:35:22
